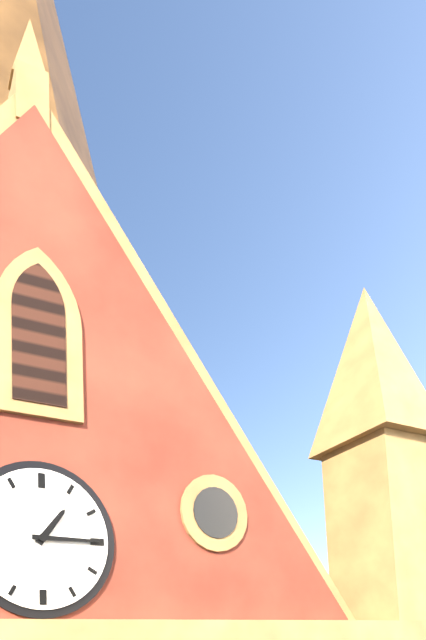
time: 1:15
